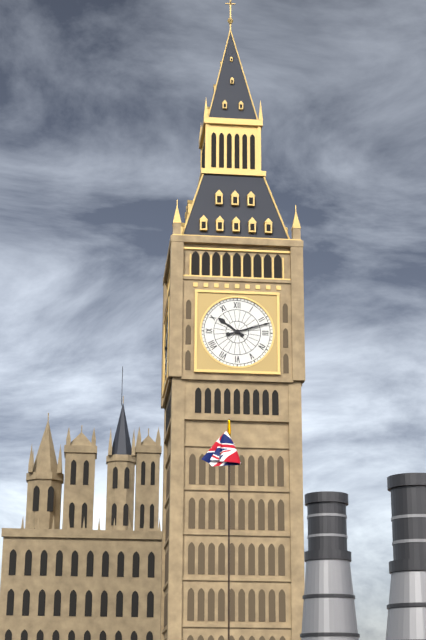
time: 10:12
